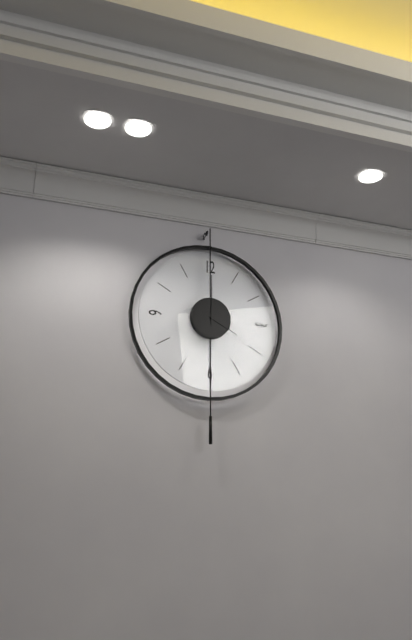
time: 4:00
